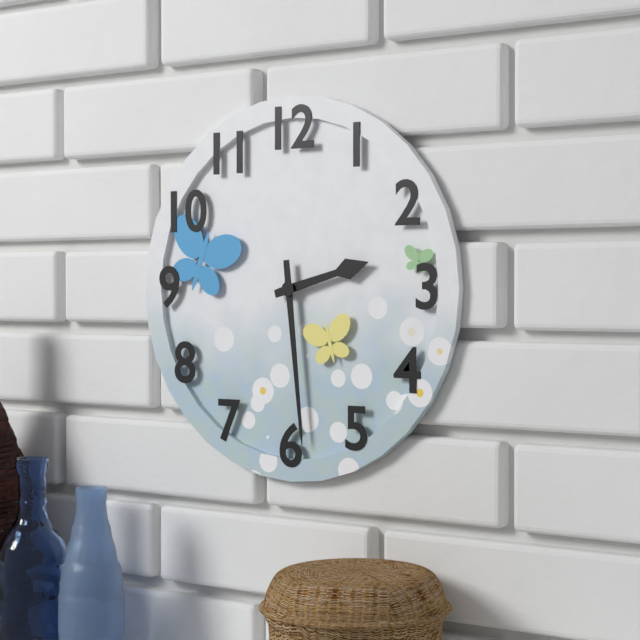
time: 2:29
